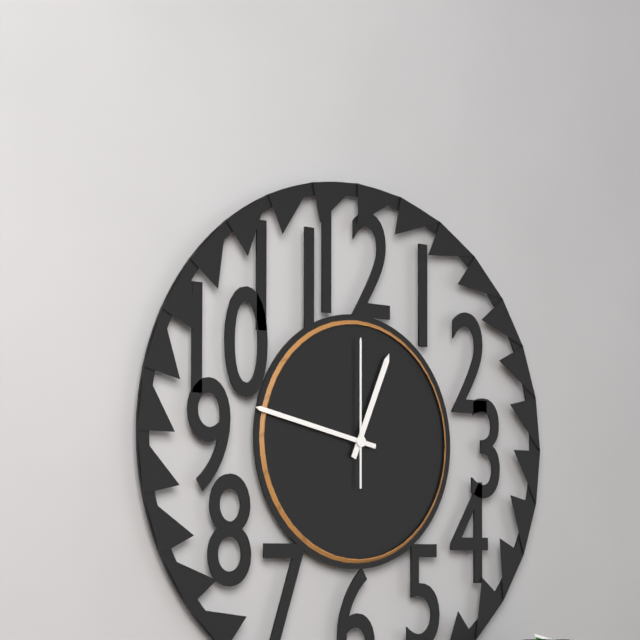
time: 12:47:00
